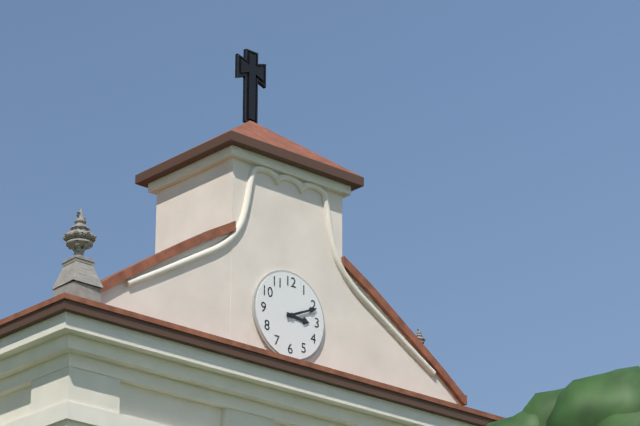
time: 3:11
